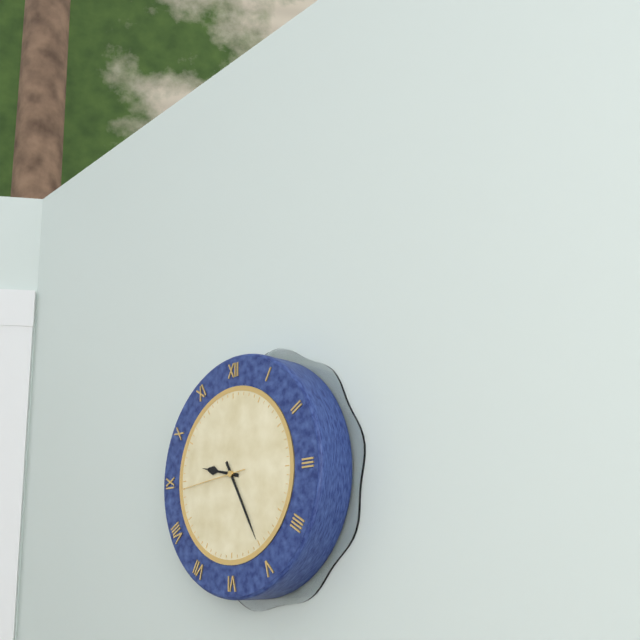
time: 9:25:44
